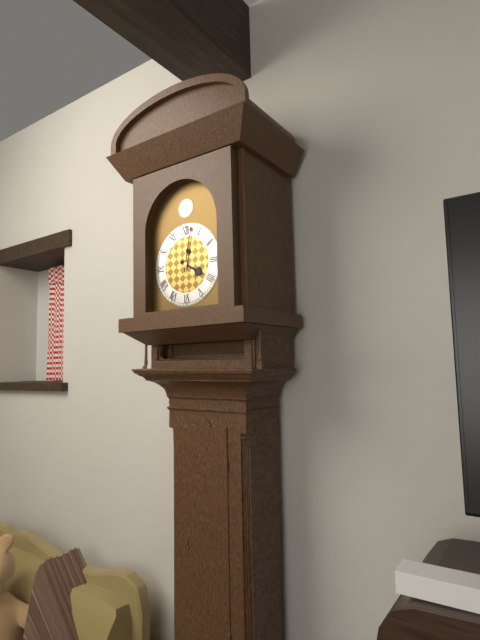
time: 4:02
